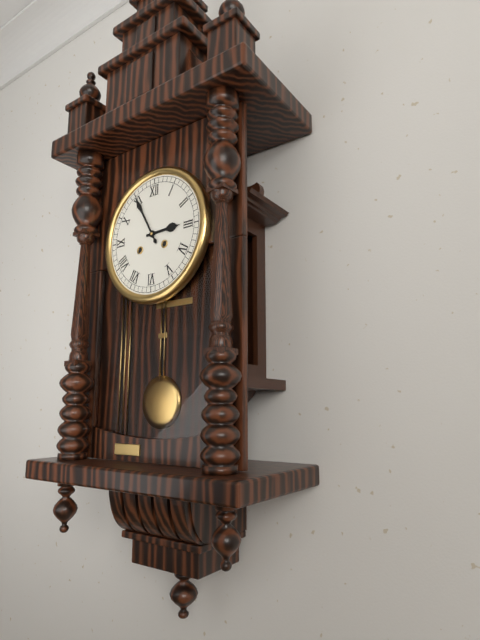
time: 2:55
